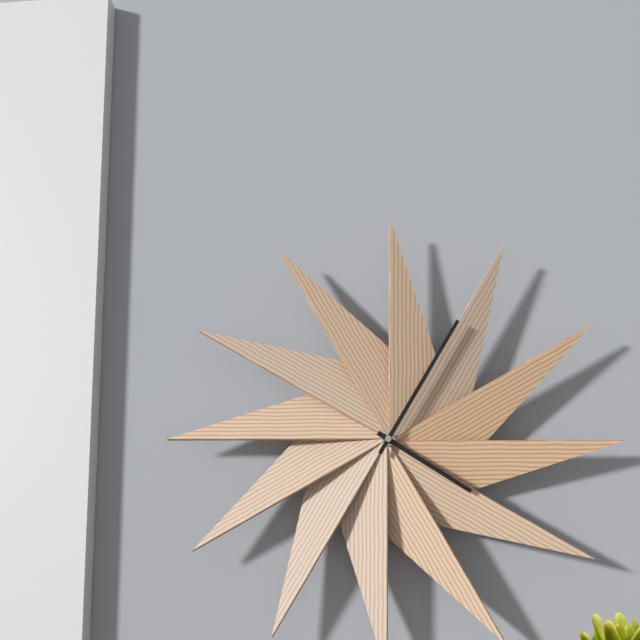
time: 4:05
